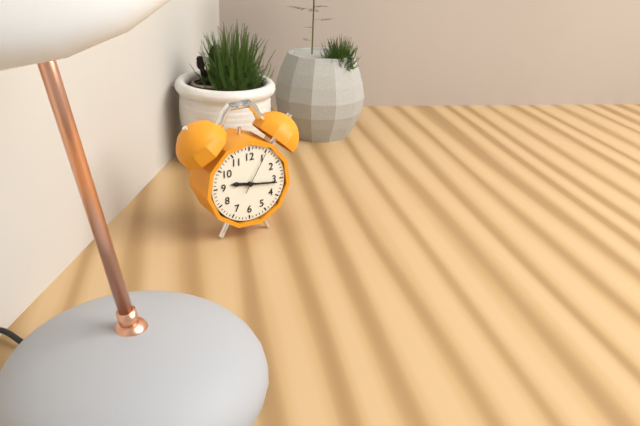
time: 9:16
